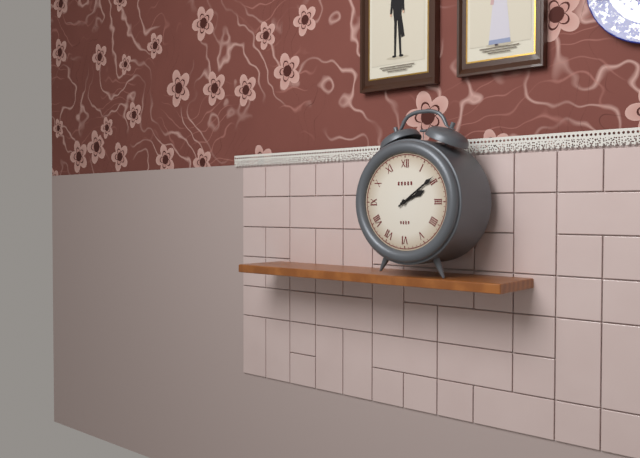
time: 2:09
